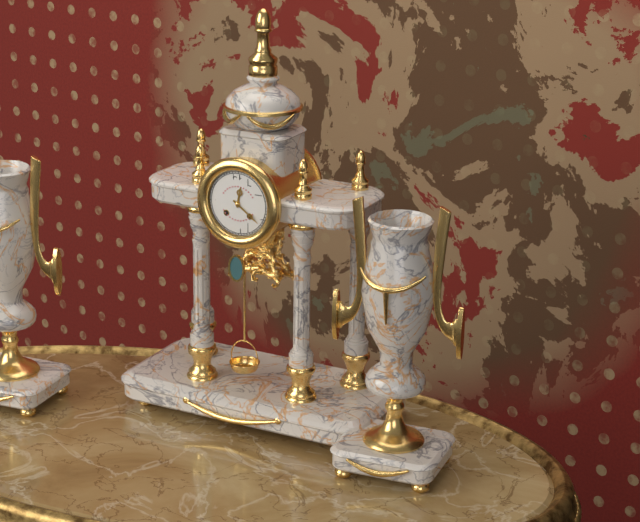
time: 12:21
